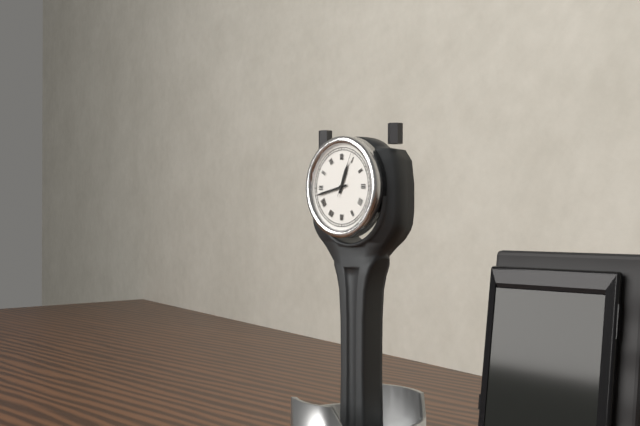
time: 12:43
